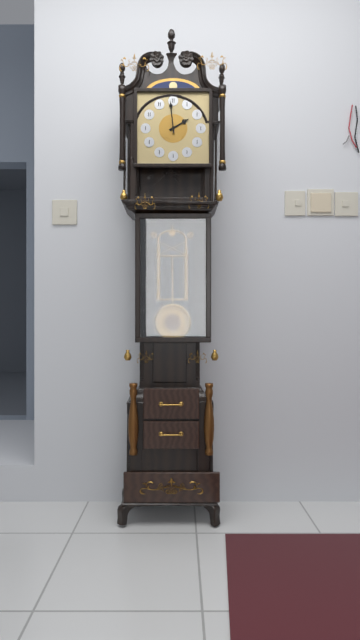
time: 1:59
